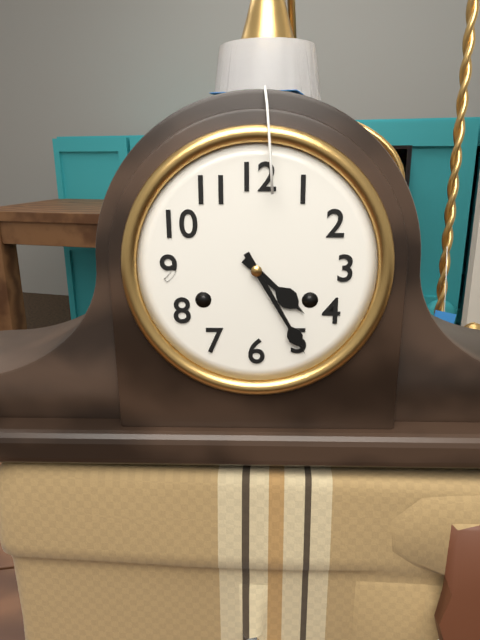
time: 4:25
